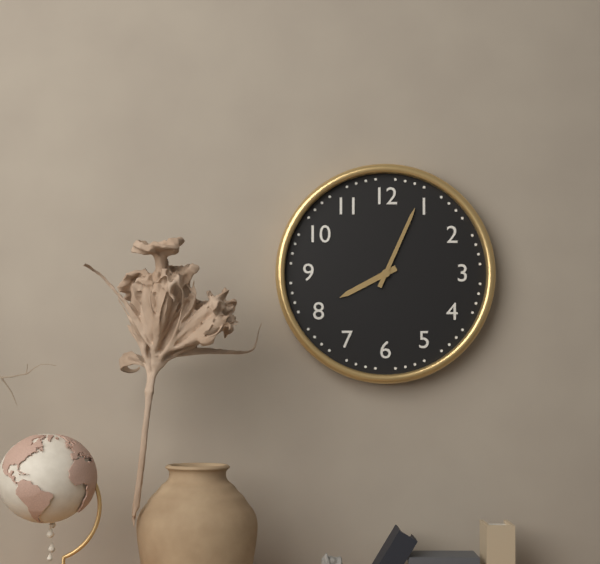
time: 8:04
